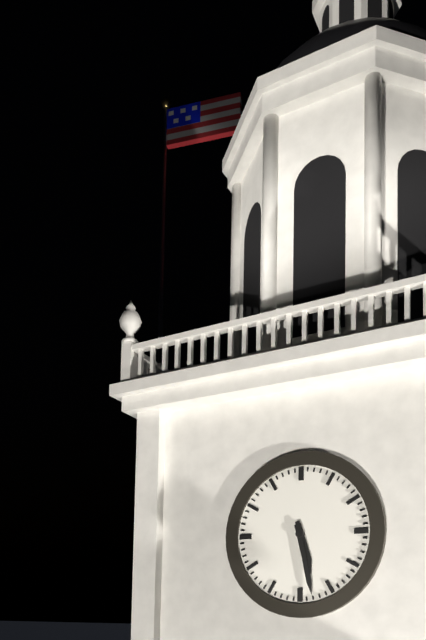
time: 5:28
